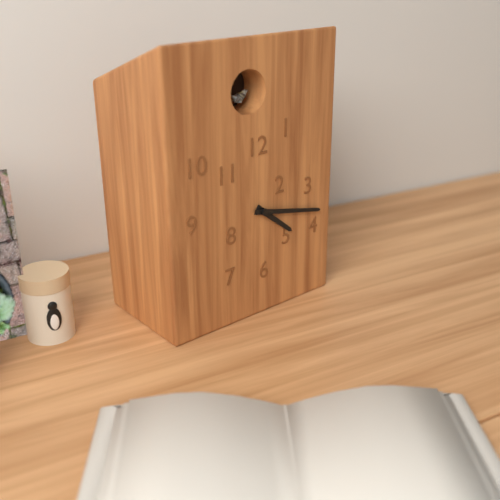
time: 4:17
